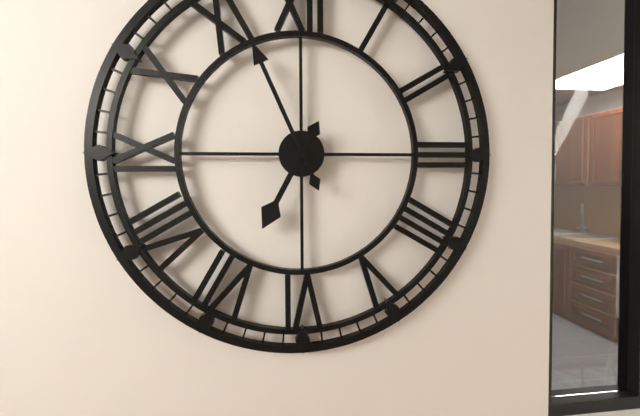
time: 6:56
